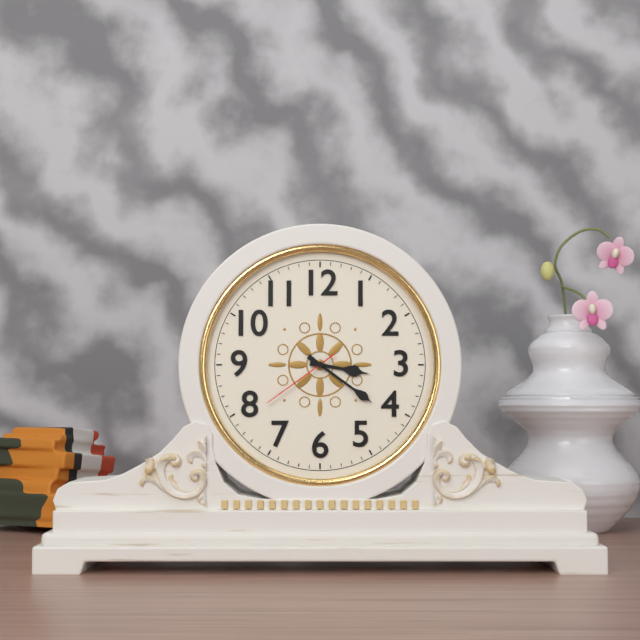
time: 3:21:39
